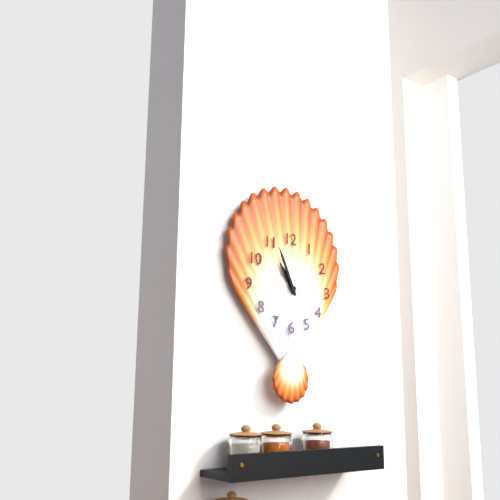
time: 10:56
